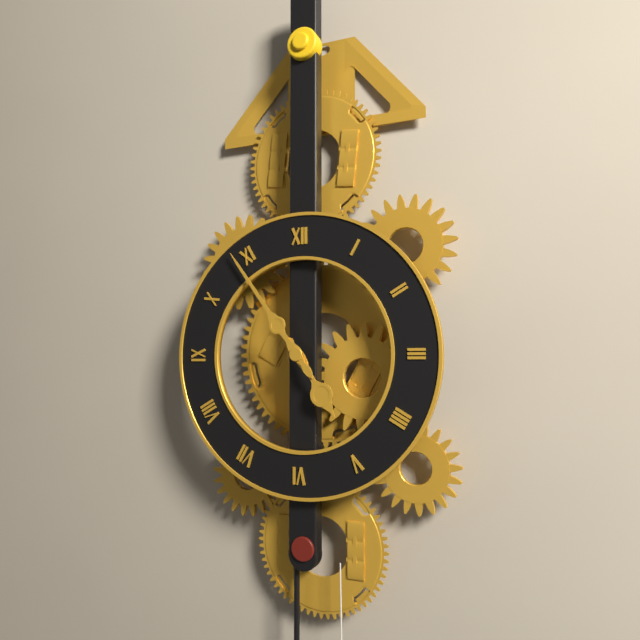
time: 4:54
